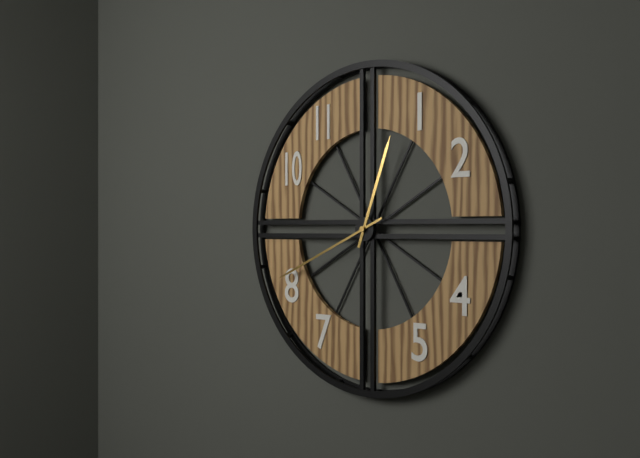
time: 12:41
